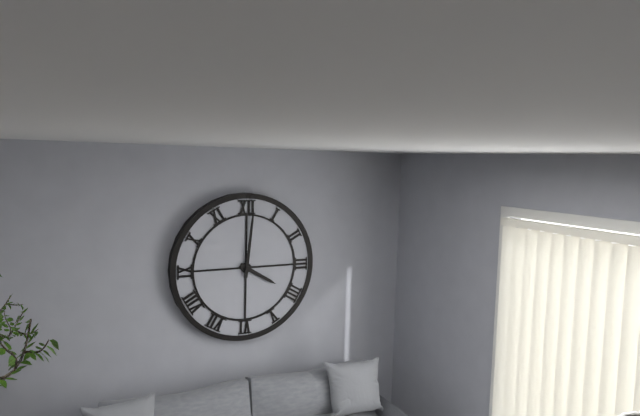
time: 4:01
